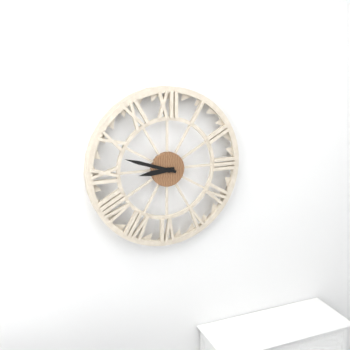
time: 8:48
